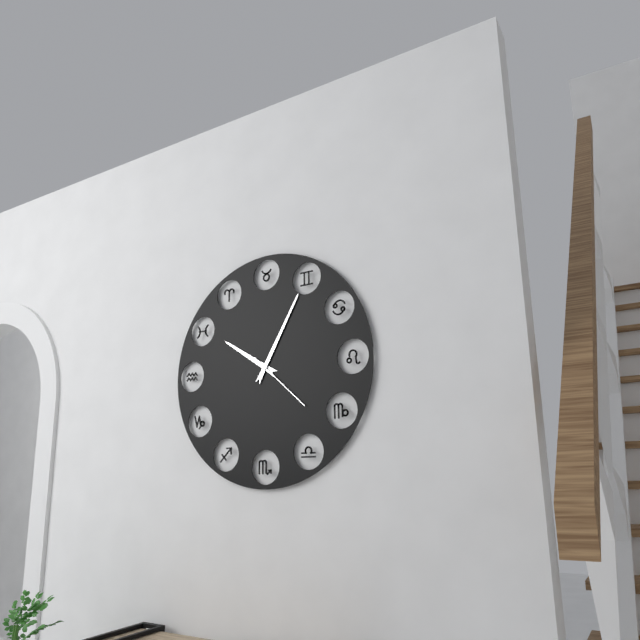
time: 10:05:22
